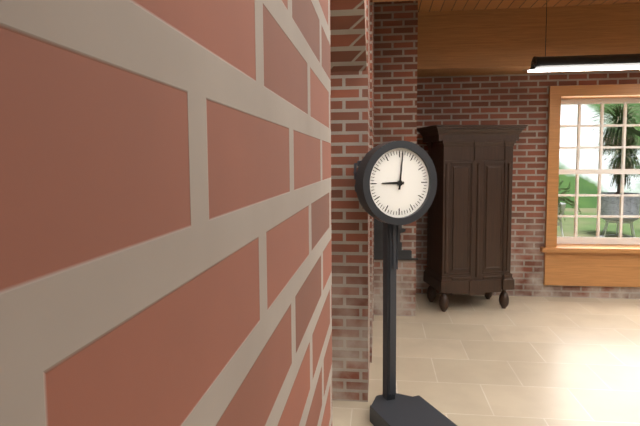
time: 9:01
